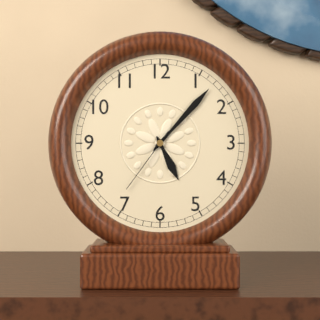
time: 5:07:36
